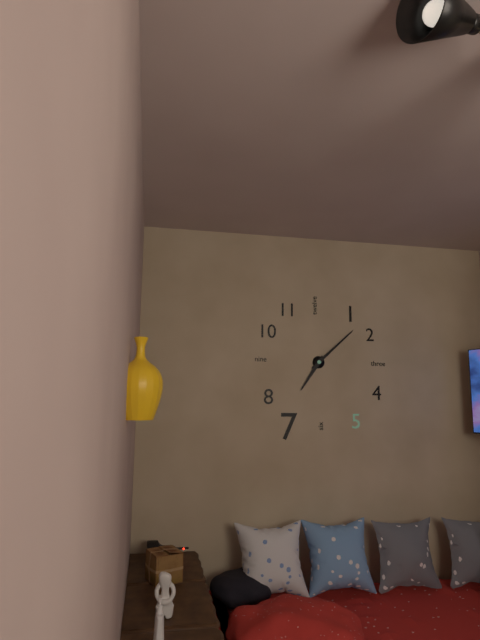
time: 7:08
